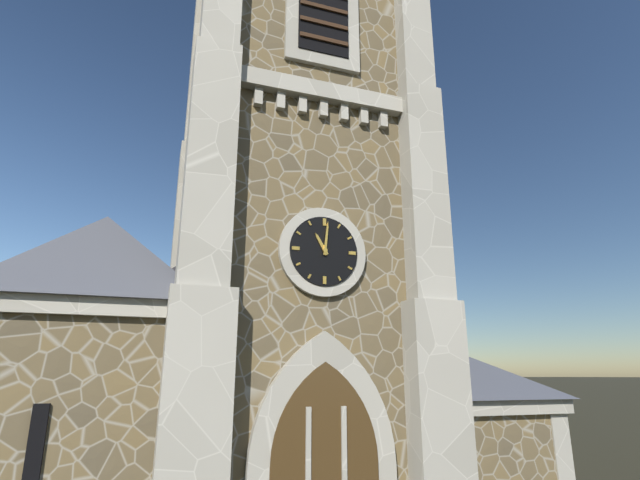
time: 11:01
